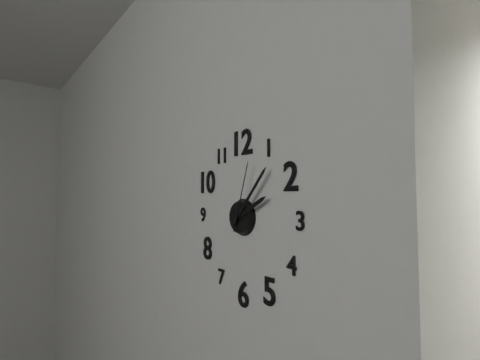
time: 2:07:03
